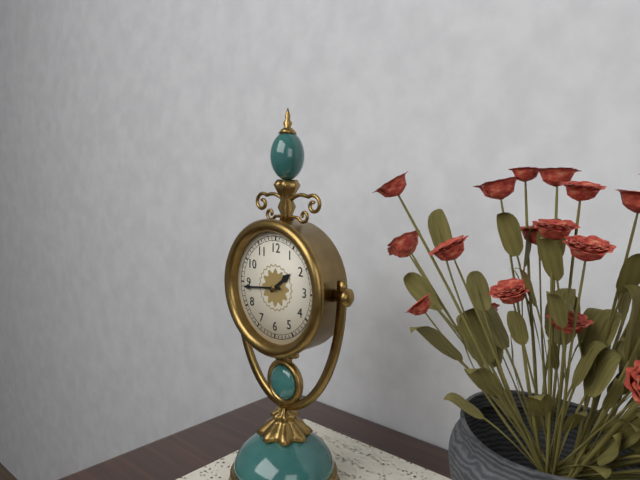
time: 1:44
